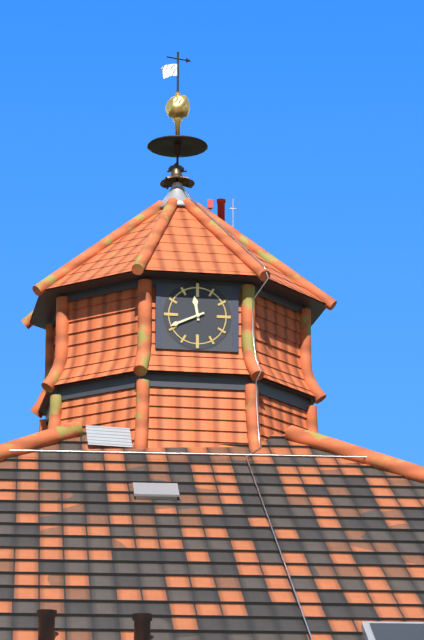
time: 11:41
